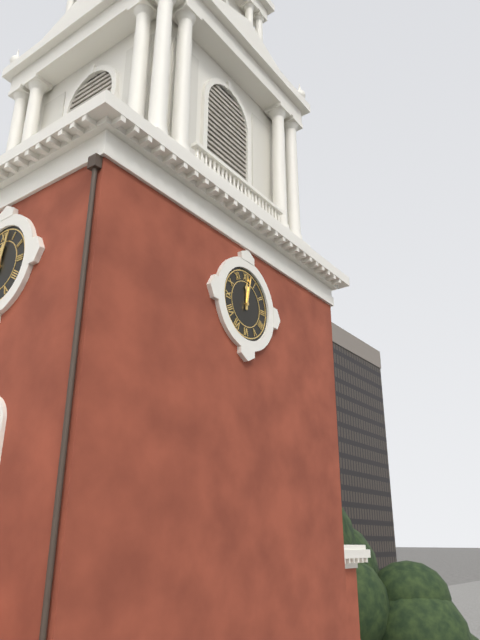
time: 12:02
